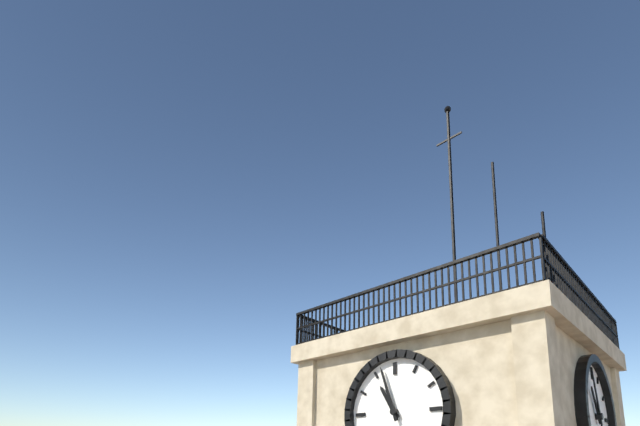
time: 10:57
